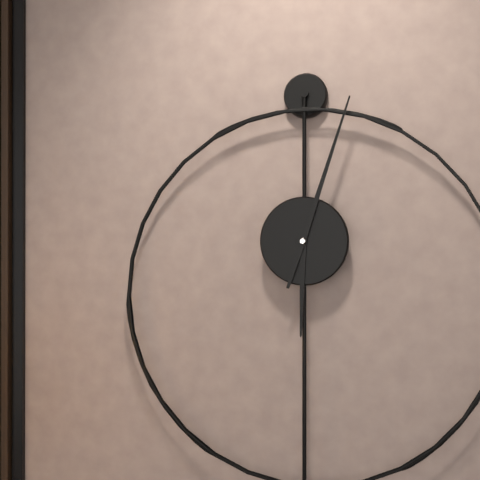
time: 6:03
